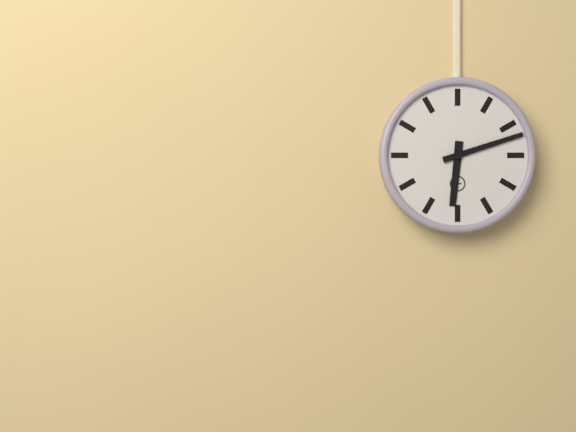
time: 6:12
